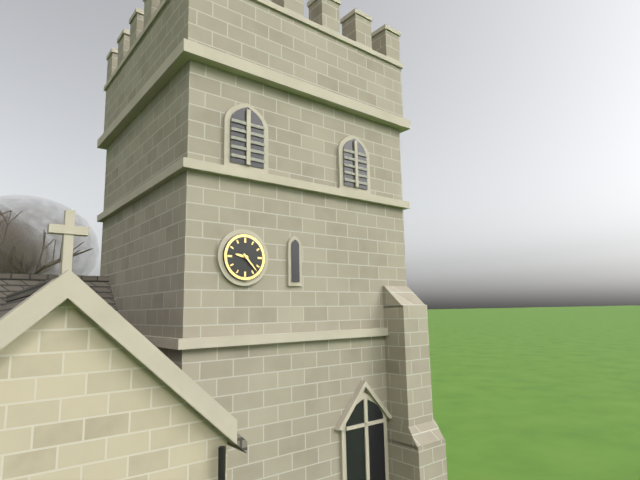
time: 9:23
